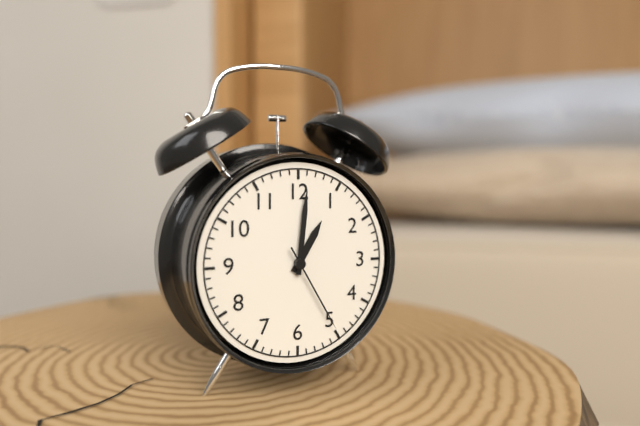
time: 1:01:25
